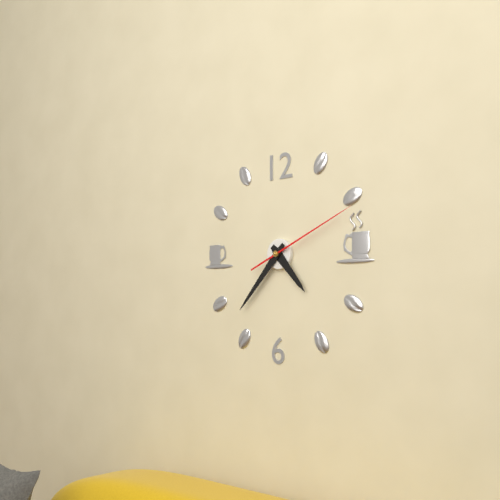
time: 4:37:11
